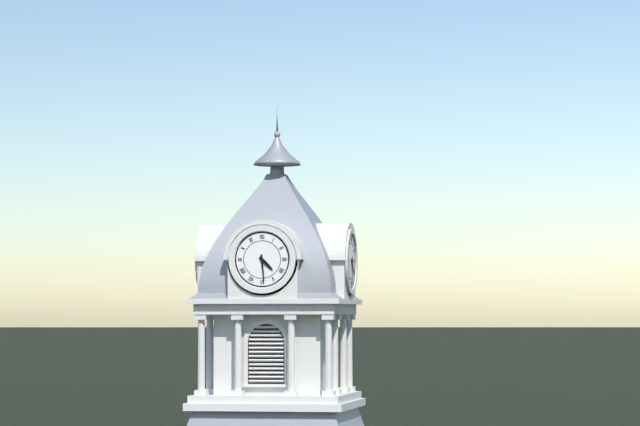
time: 4:29
